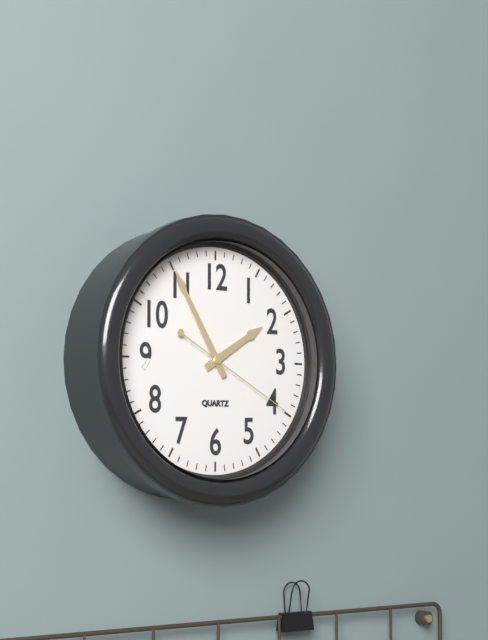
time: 1:55:20
